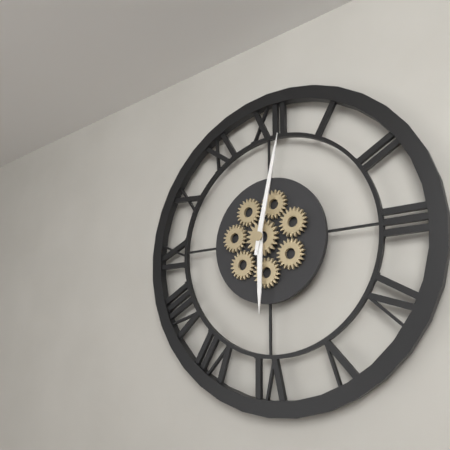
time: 6:02
